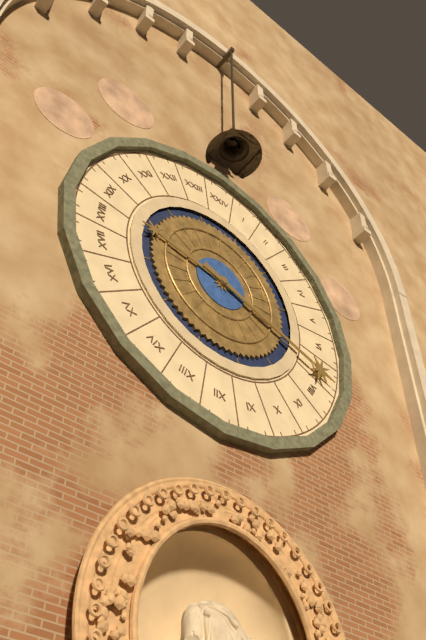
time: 9:18
